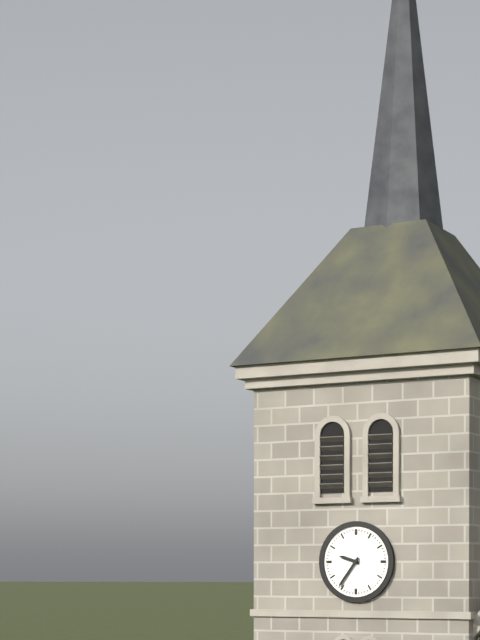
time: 9:36
